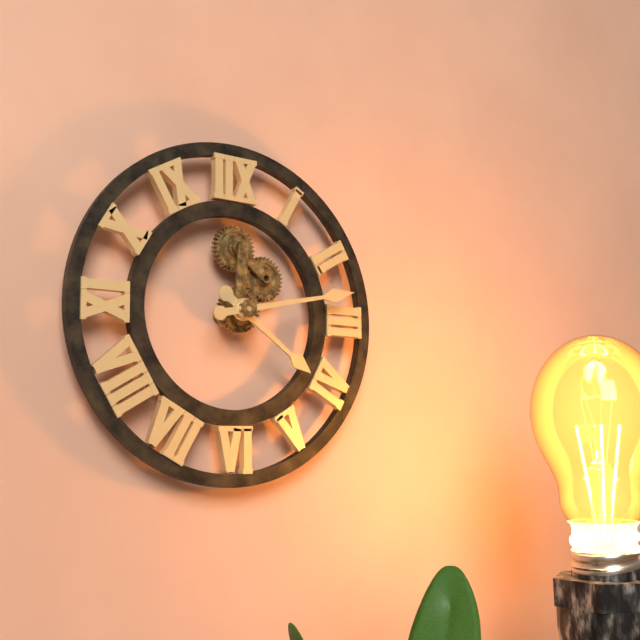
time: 4:13
